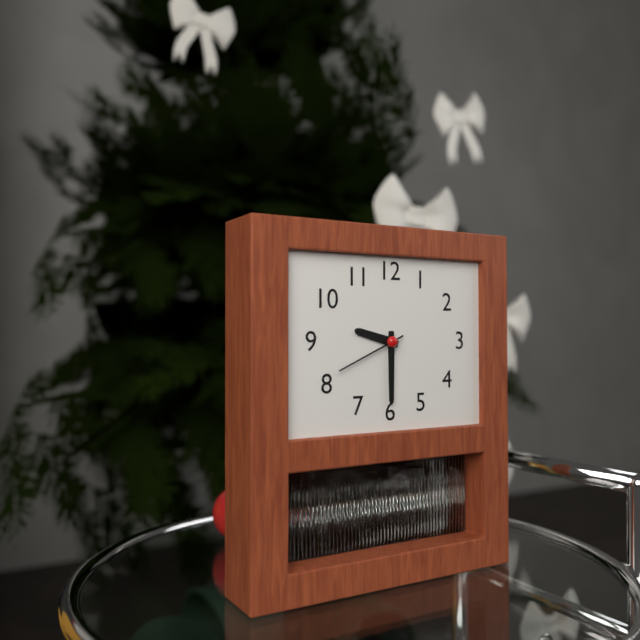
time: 9:30:41
